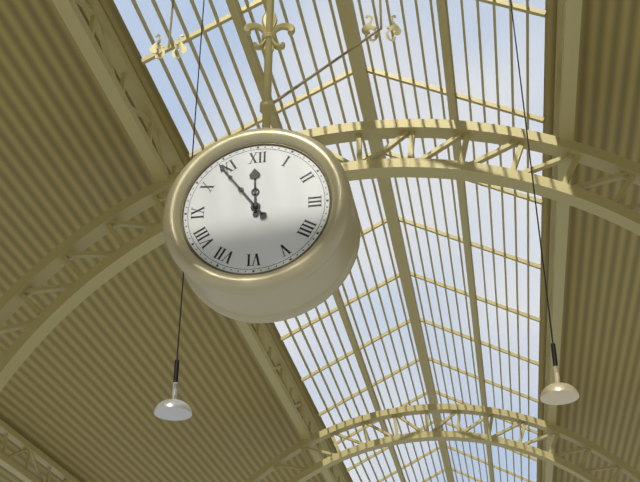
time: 11:54
